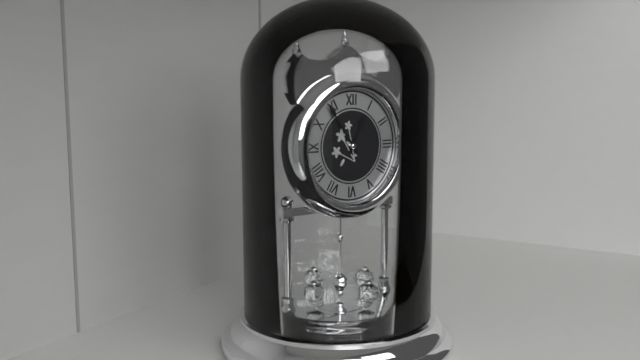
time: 12:54
